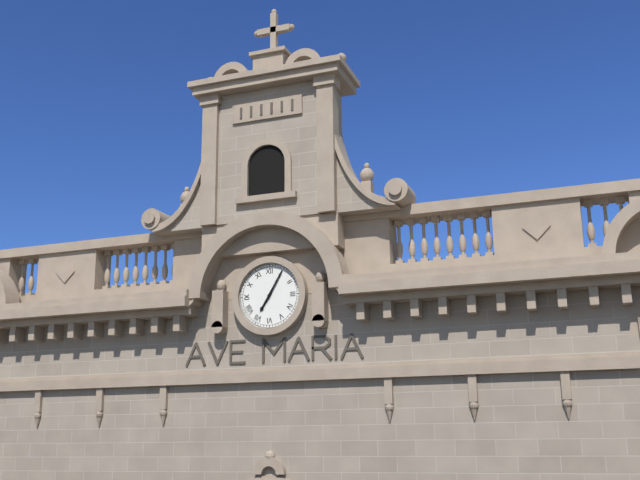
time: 7:05
